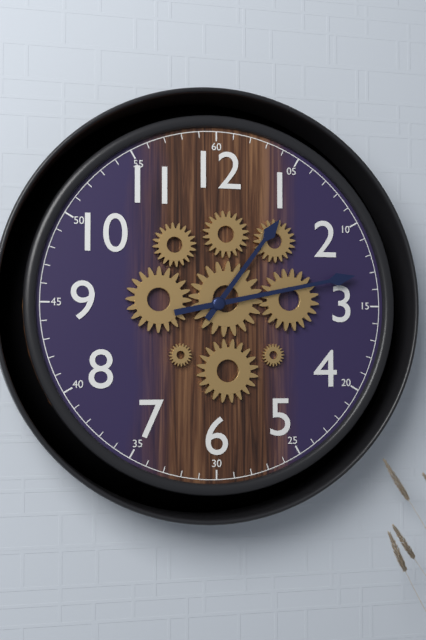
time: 1:13
